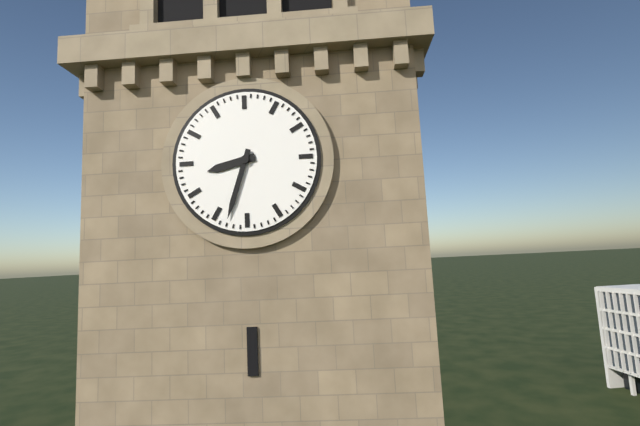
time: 8:33
